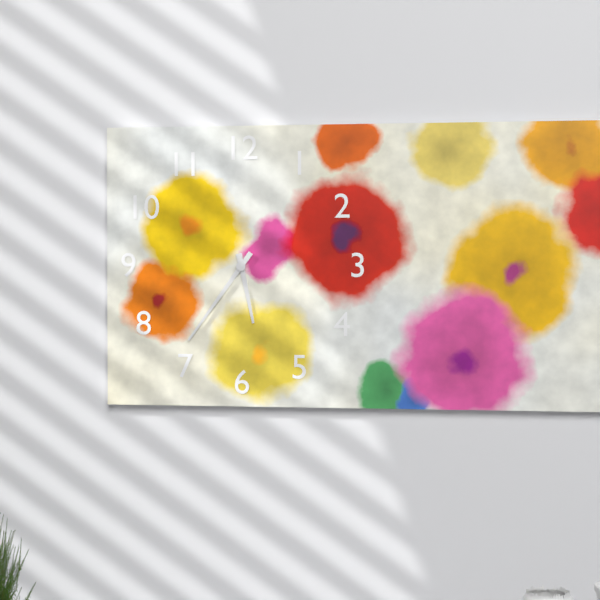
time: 5:36
